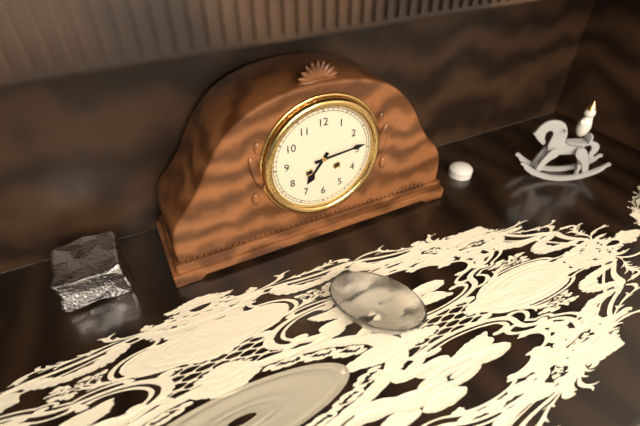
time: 7:14
